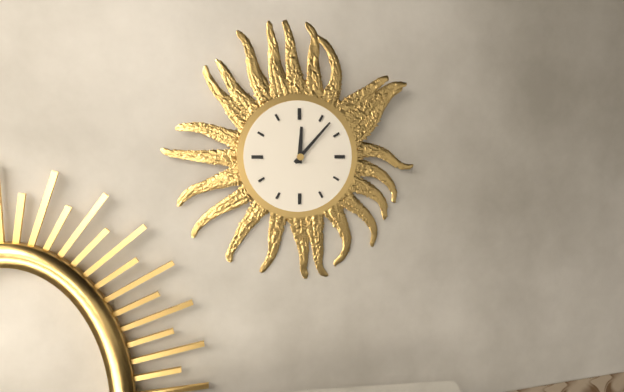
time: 12:07
